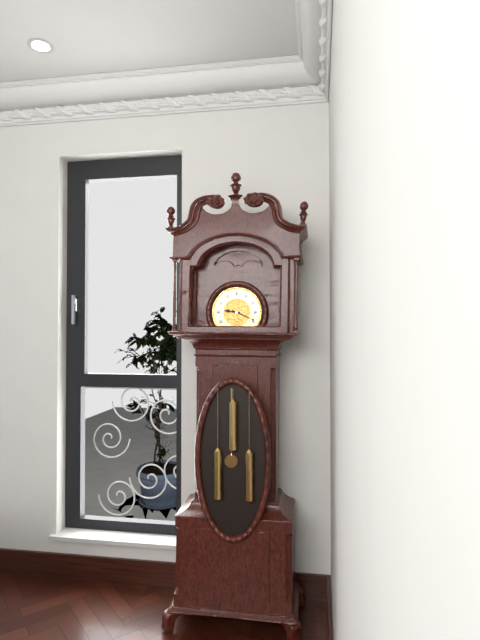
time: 9:19
